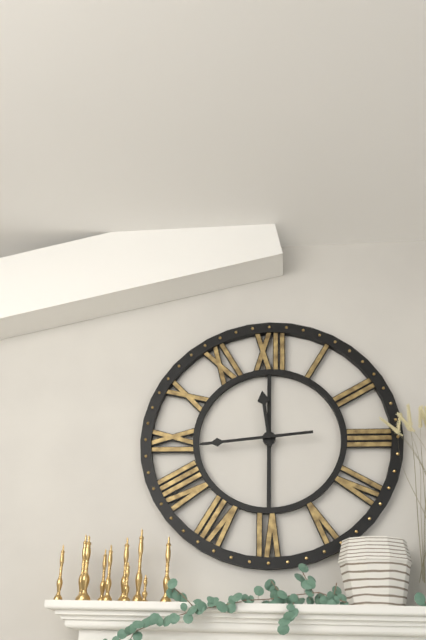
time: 11:44
